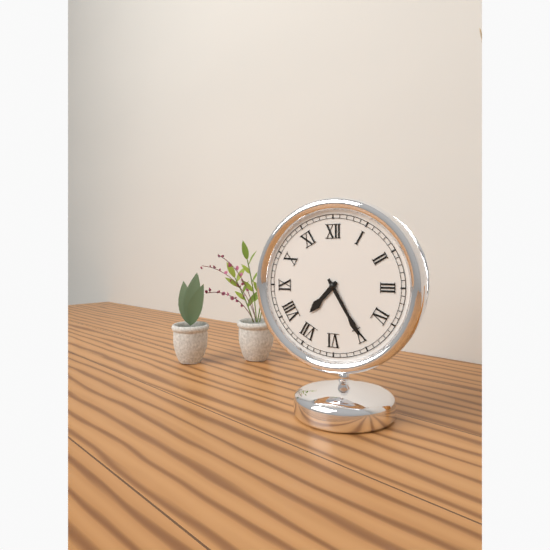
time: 7:25
